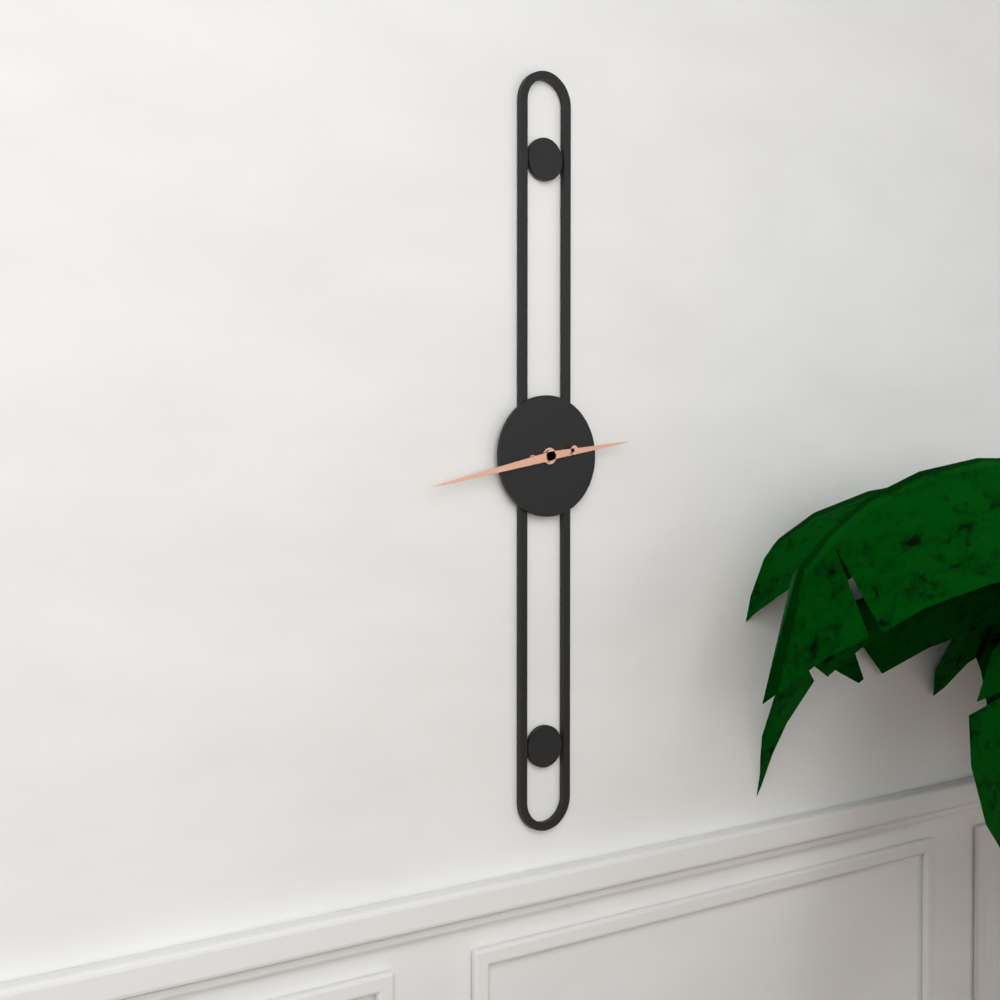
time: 2:43
